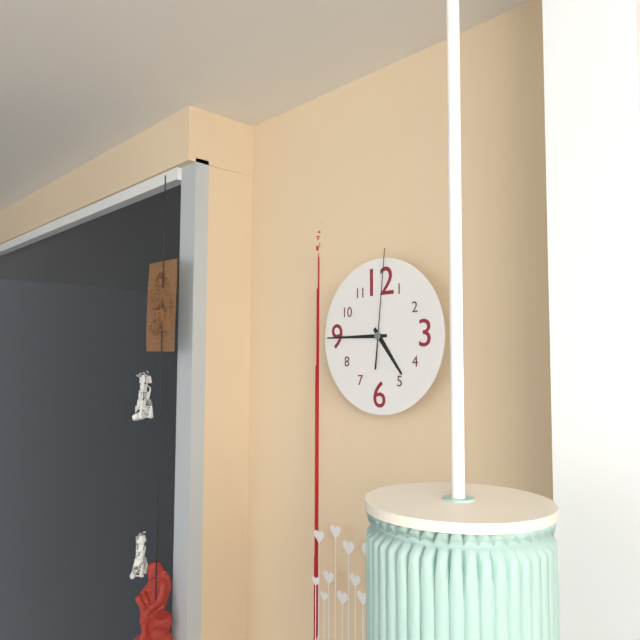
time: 4:45:01
